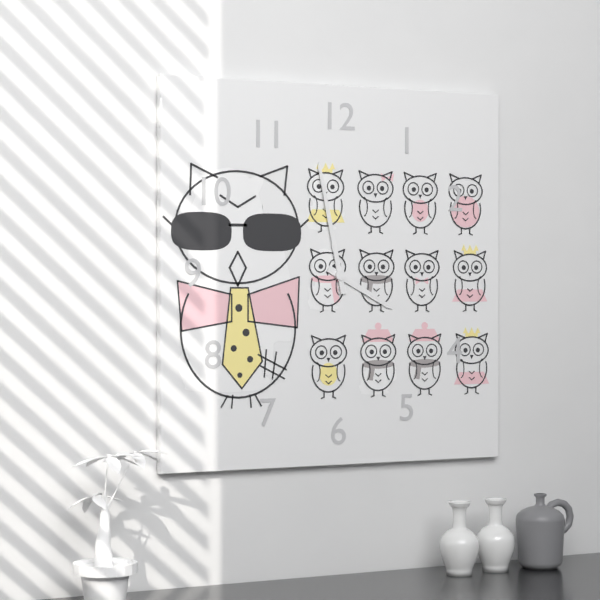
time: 3:58
